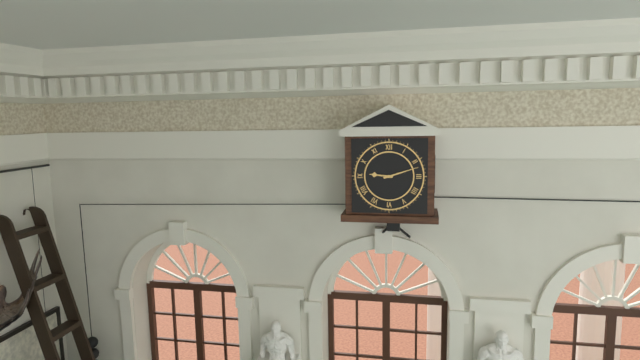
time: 9:12
